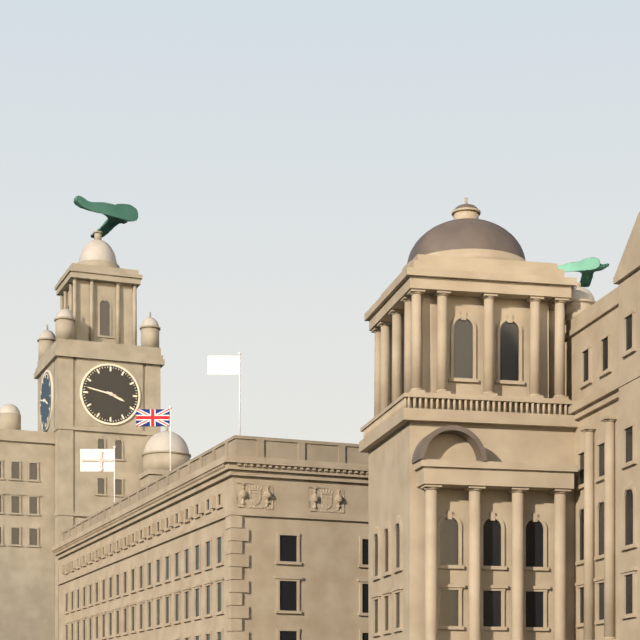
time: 3:47
